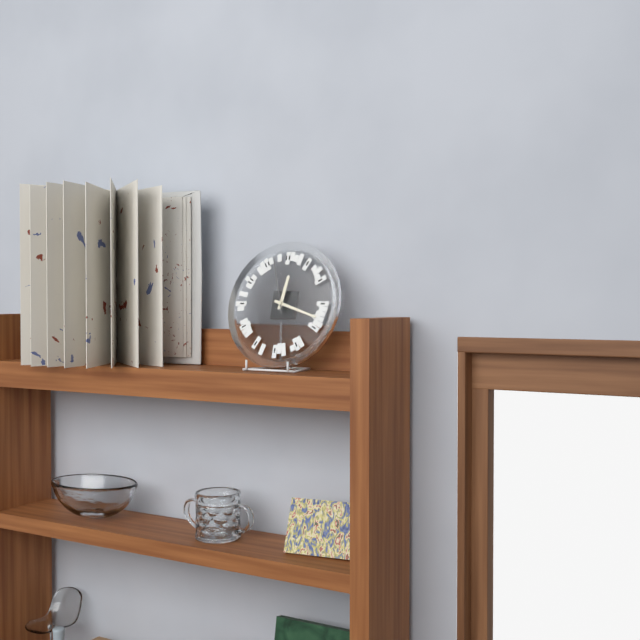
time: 12:18:57
